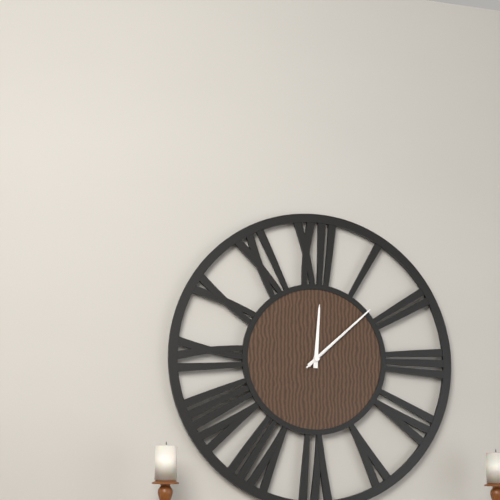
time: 12:08:08
